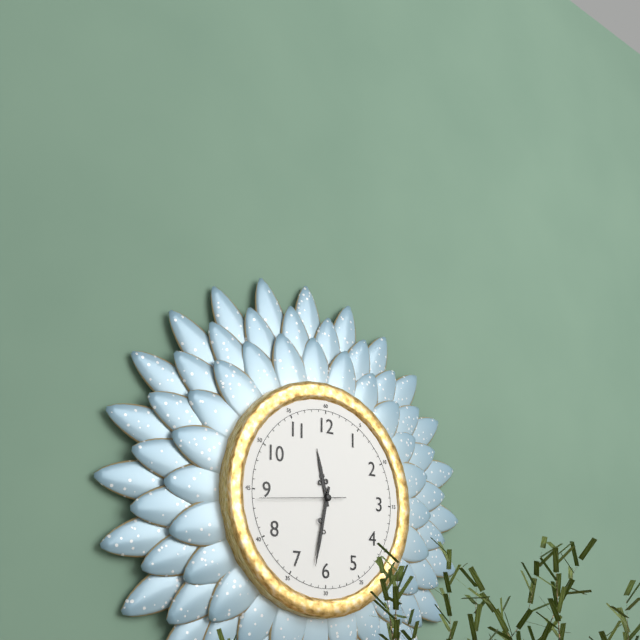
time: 11:32:44
